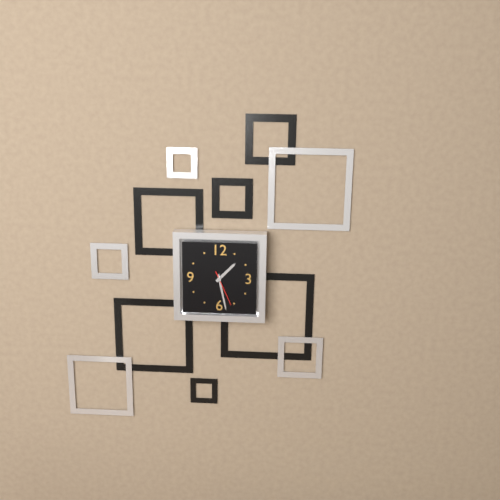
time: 1:28
